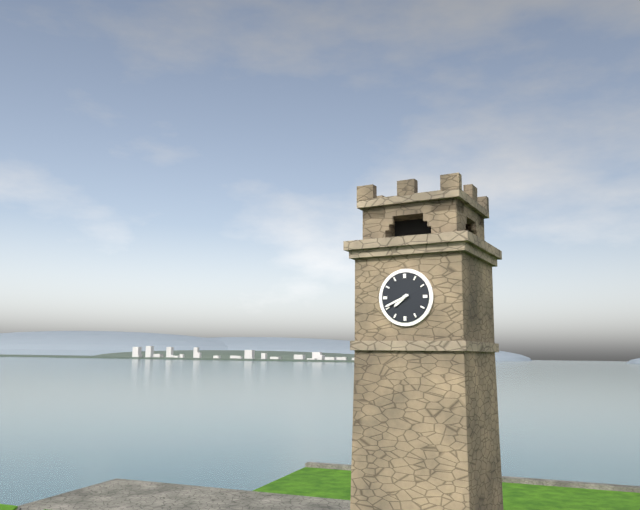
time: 7:41
